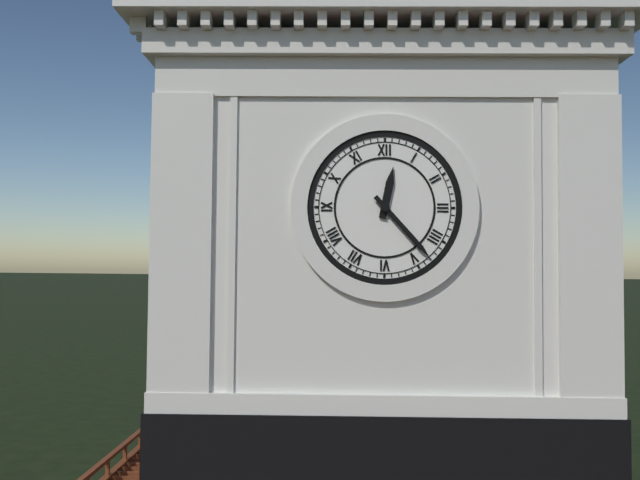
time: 12:23
